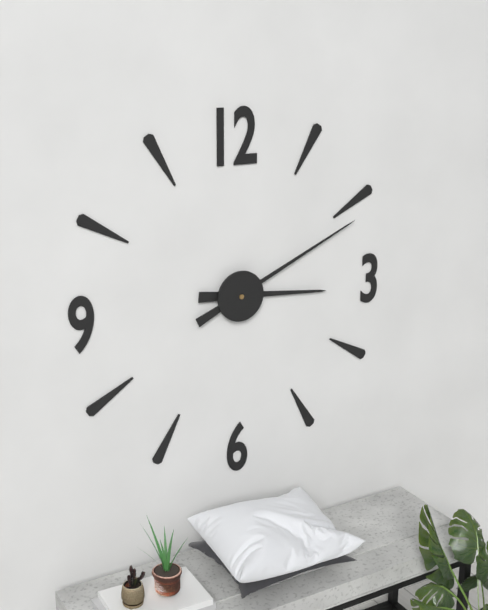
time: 3:11
